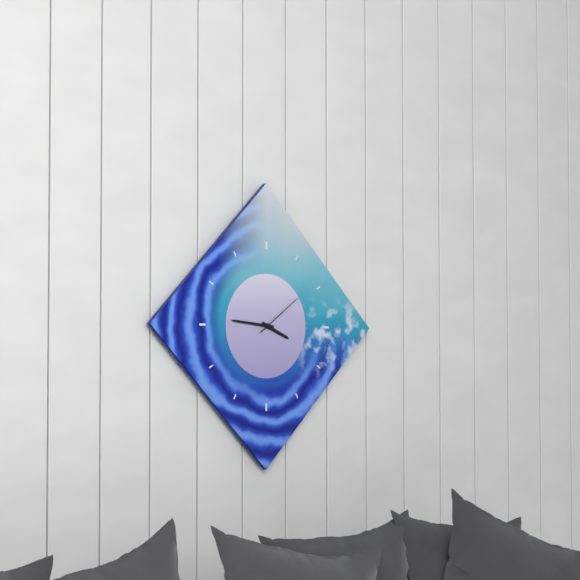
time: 3:46:09
